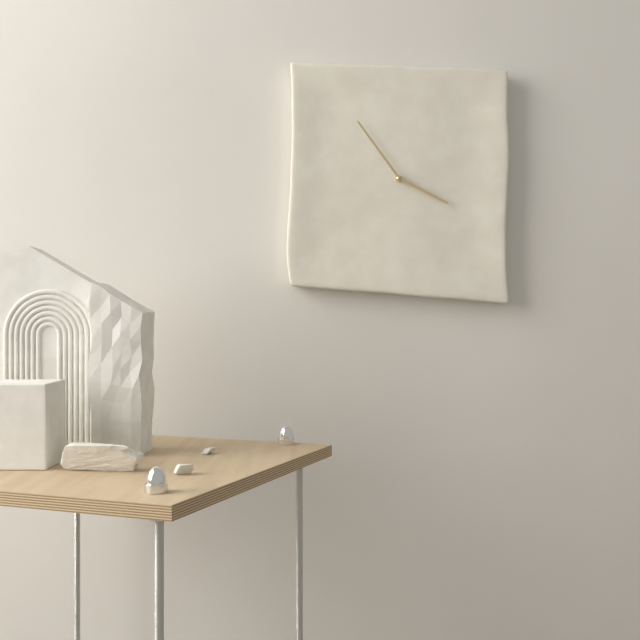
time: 3:54
